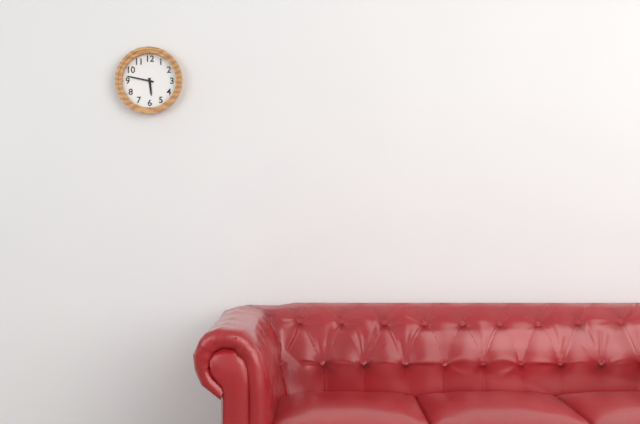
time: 5:47
